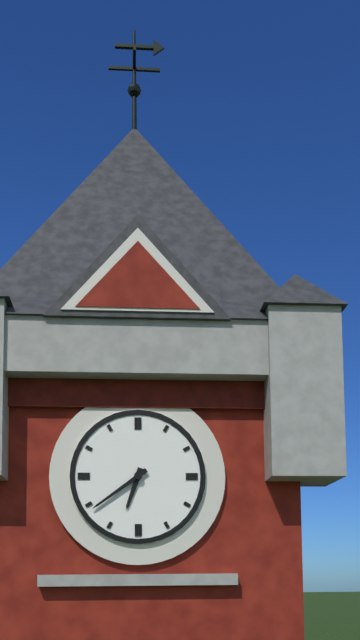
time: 6:39
